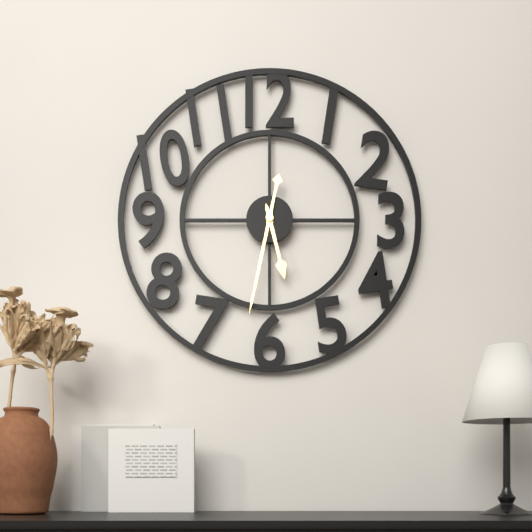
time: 5:32
